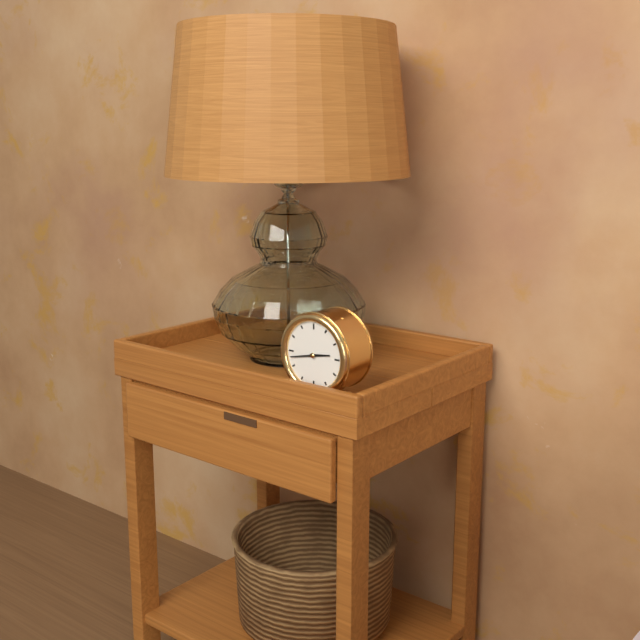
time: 2:43
